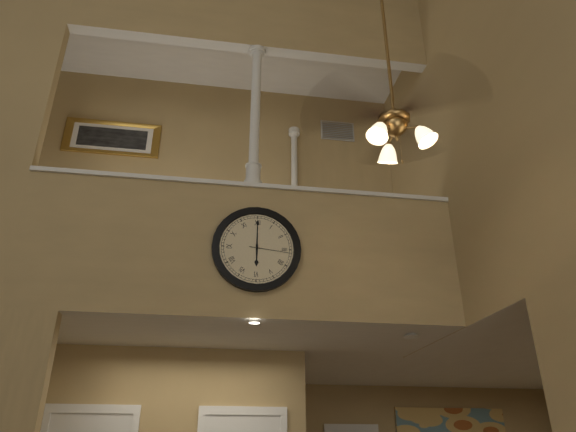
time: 6:00
